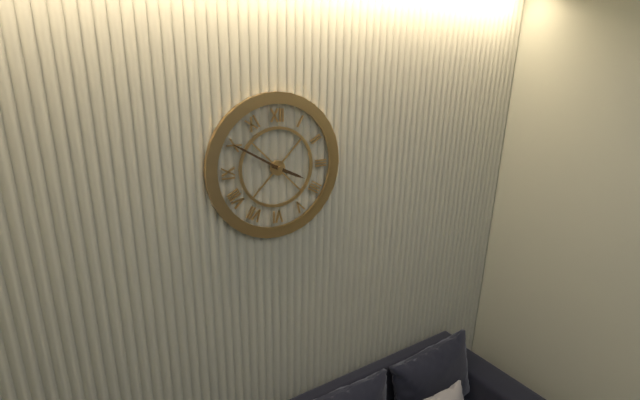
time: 3:50
